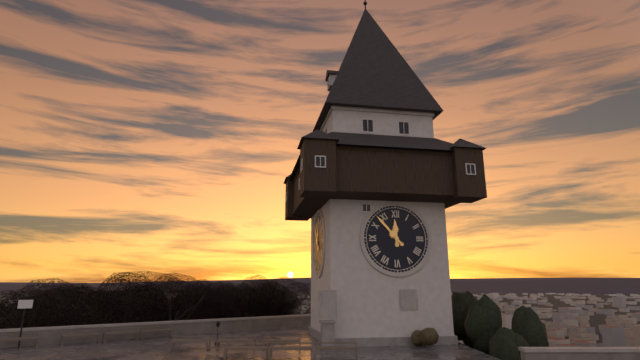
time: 11:53
